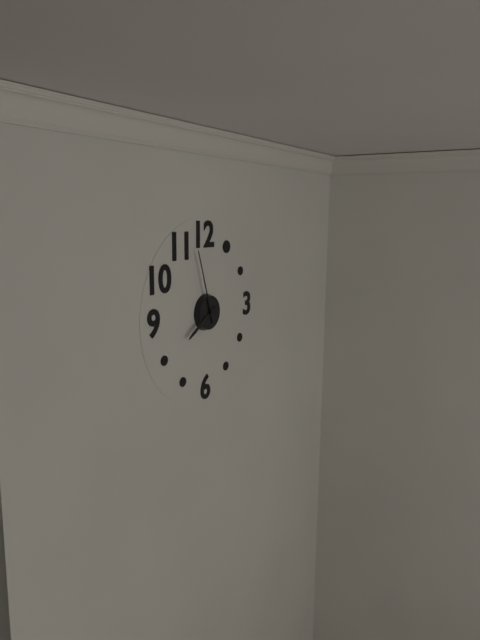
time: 7:57
